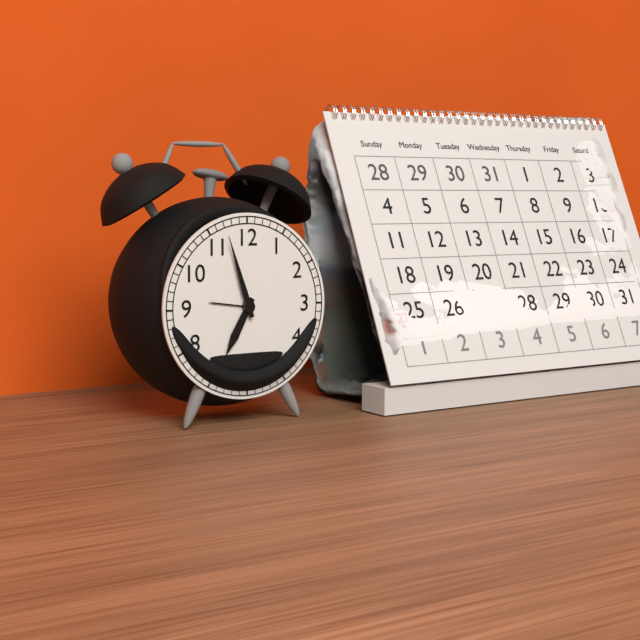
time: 6:57
